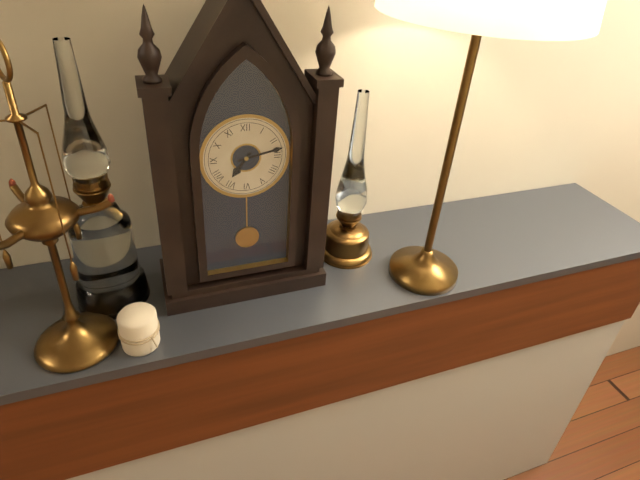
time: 7:13
